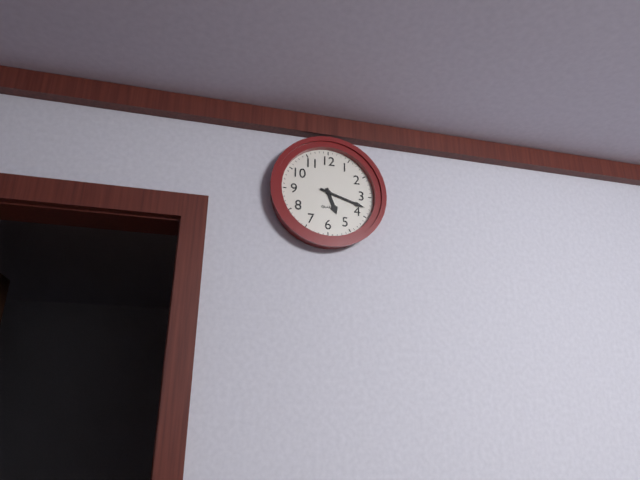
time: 5:18
